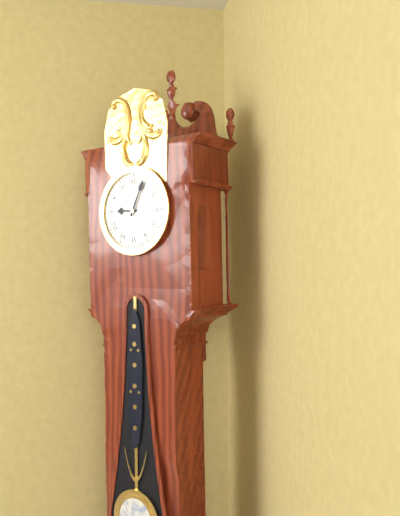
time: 9:04
